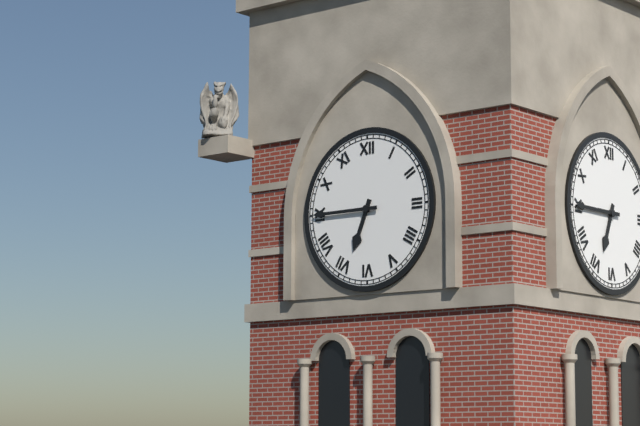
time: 6:45
